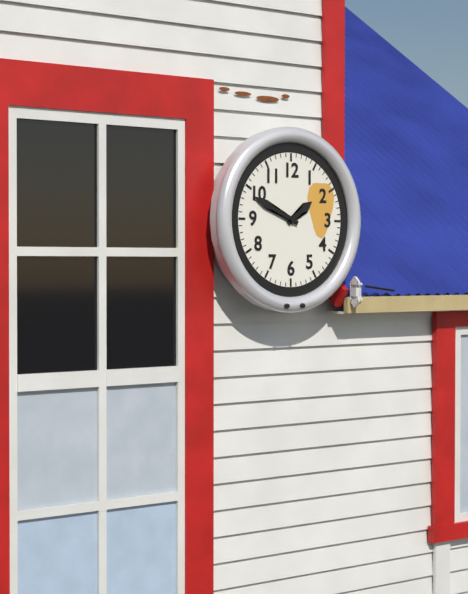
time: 1:49
